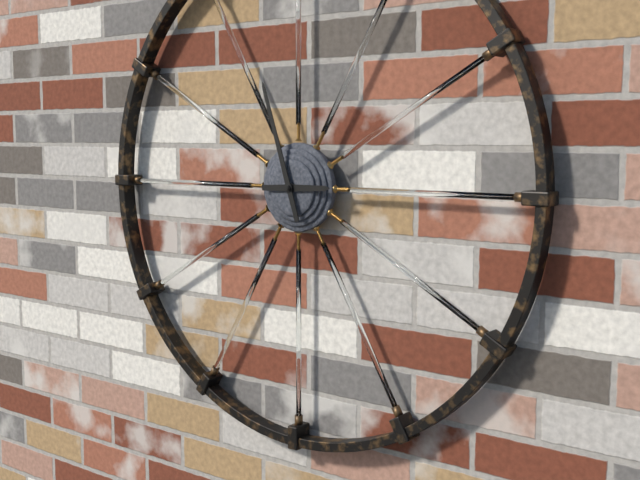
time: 2:57
